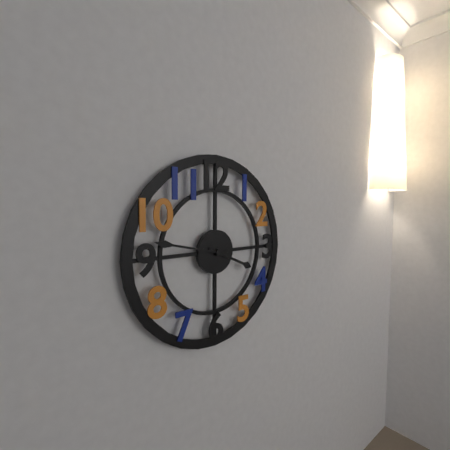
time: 3:47
